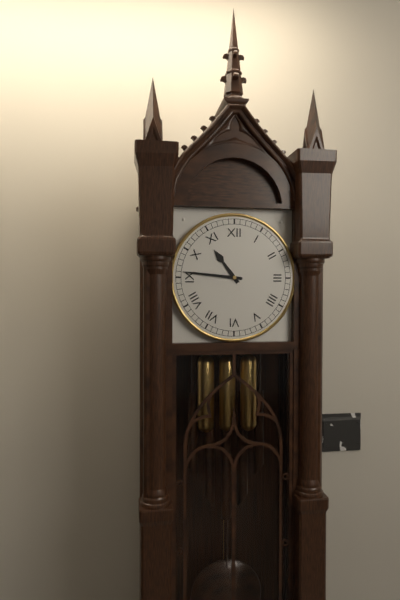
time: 10:46
